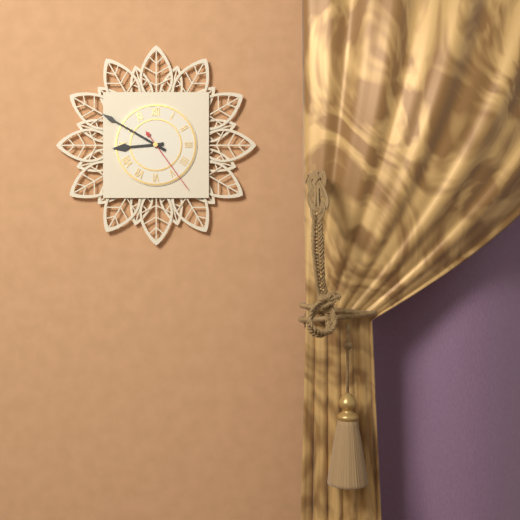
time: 8:50:24
